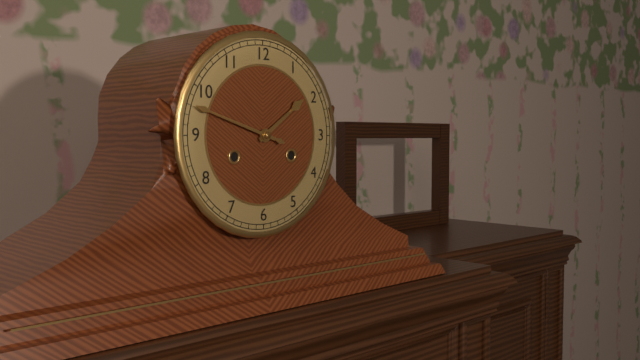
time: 1:48
